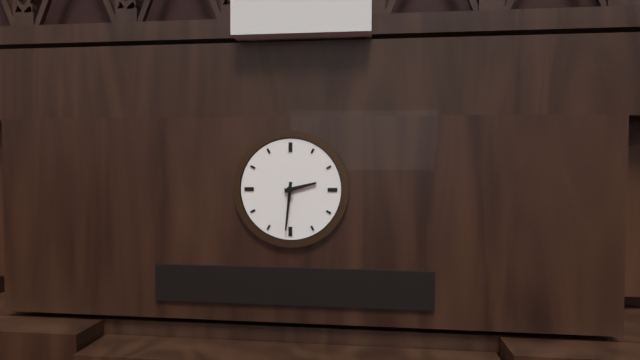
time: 2:31
